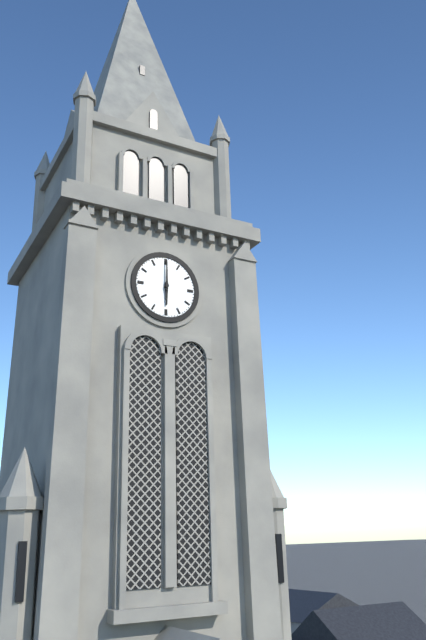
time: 6:00
